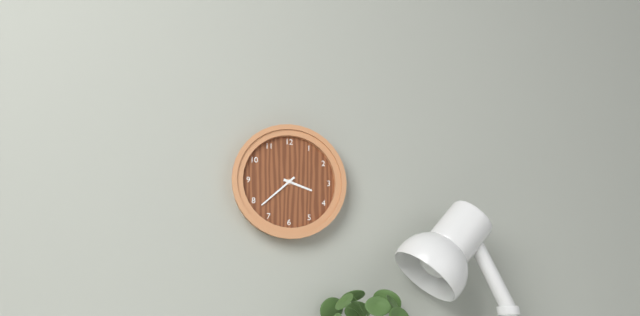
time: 3:38
